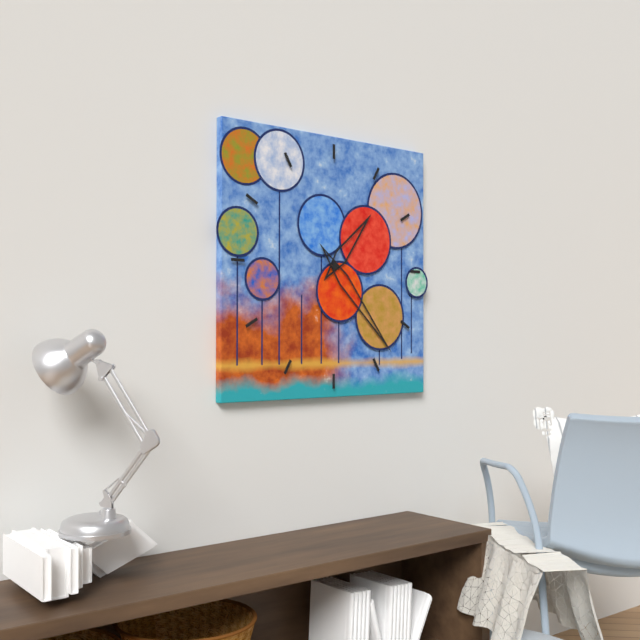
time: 1:23
